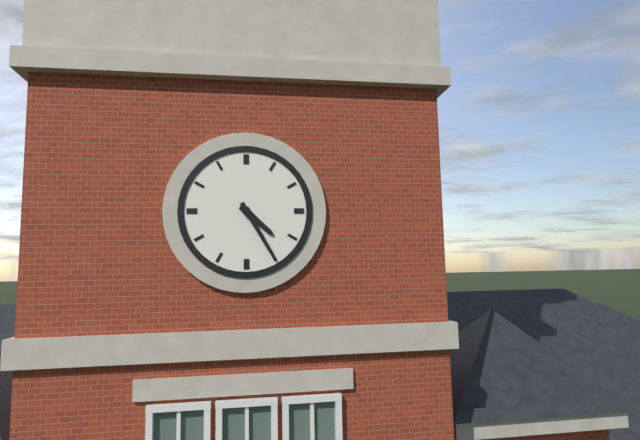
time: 4:25
